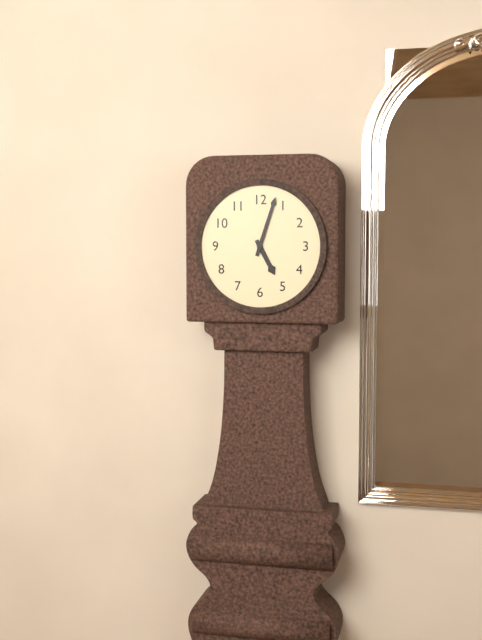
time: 5:03
